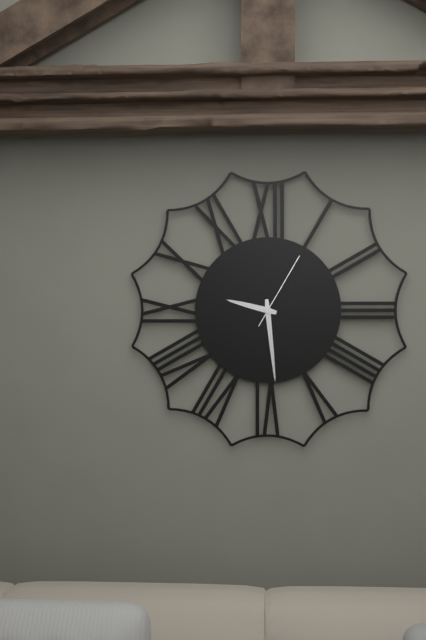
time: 9:29:05
